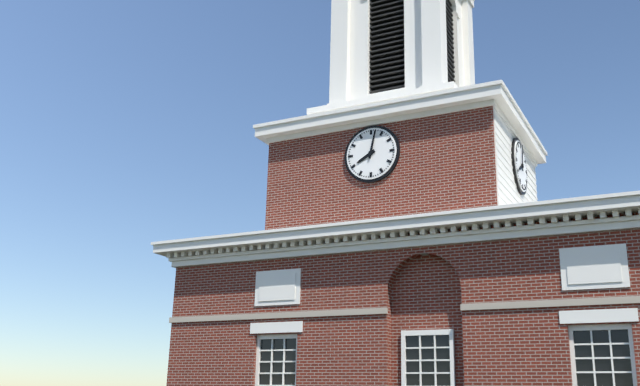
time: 8:02
